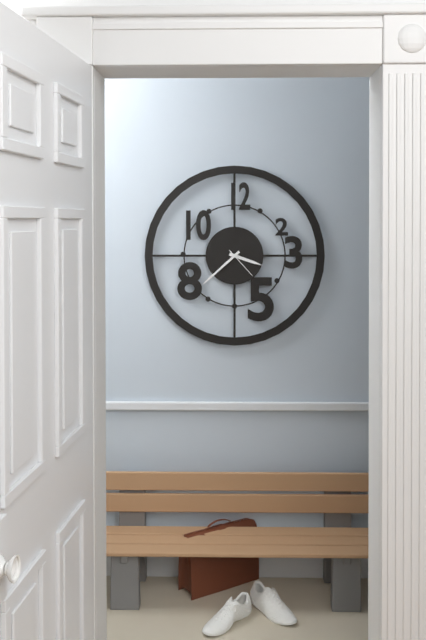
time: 3:38
